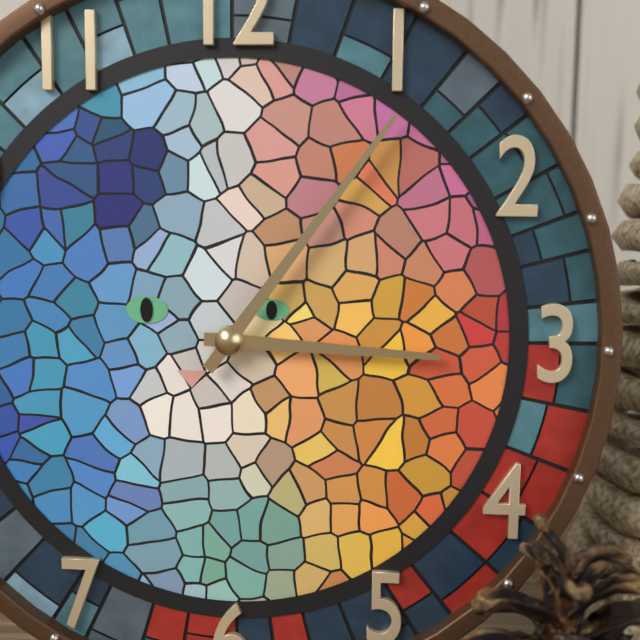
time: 3:06
